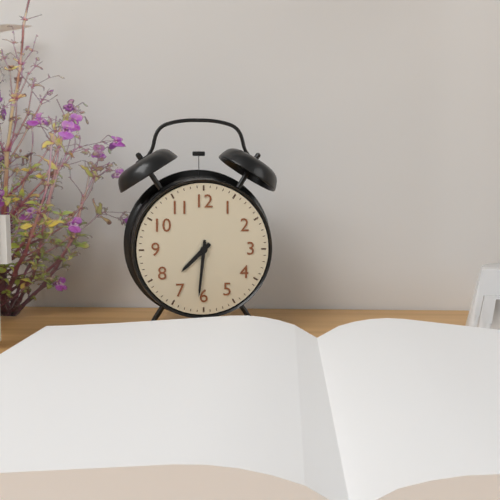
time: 7:31
